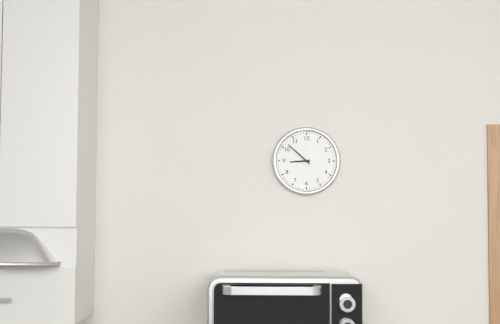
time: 8:52
